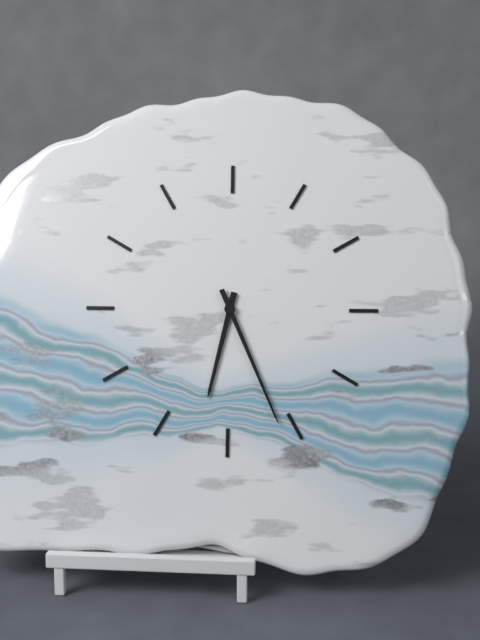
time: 6:26
